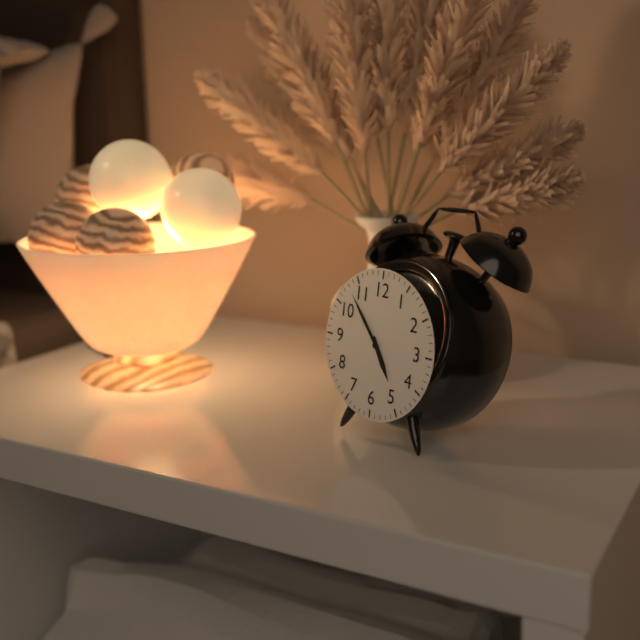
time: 4:53
